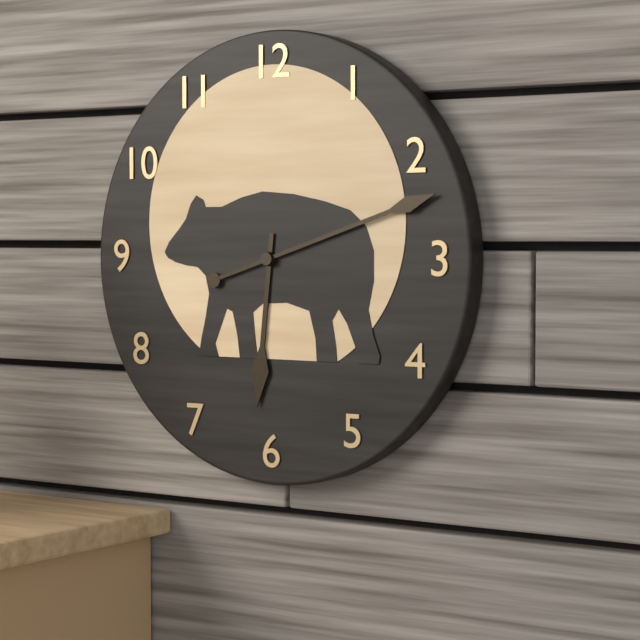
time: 6:12
